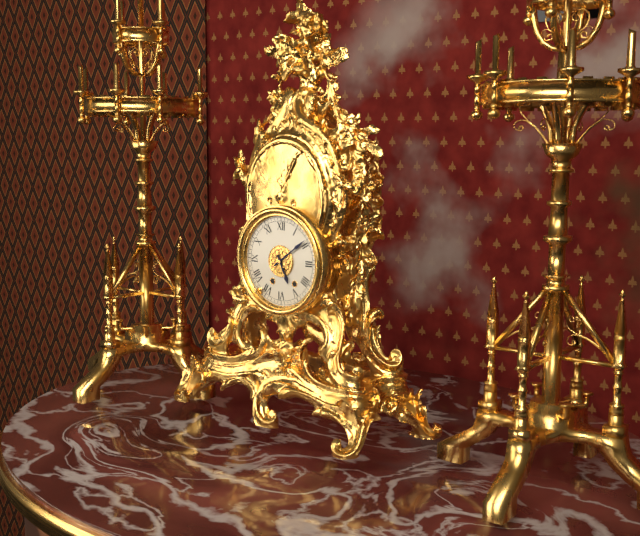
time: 5:09
